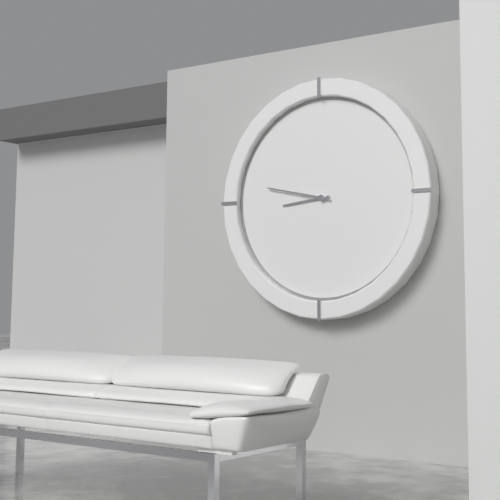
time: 8:47
